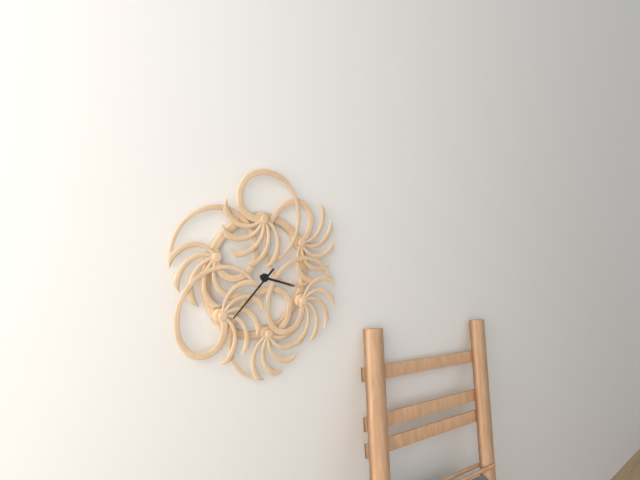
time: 3:38
